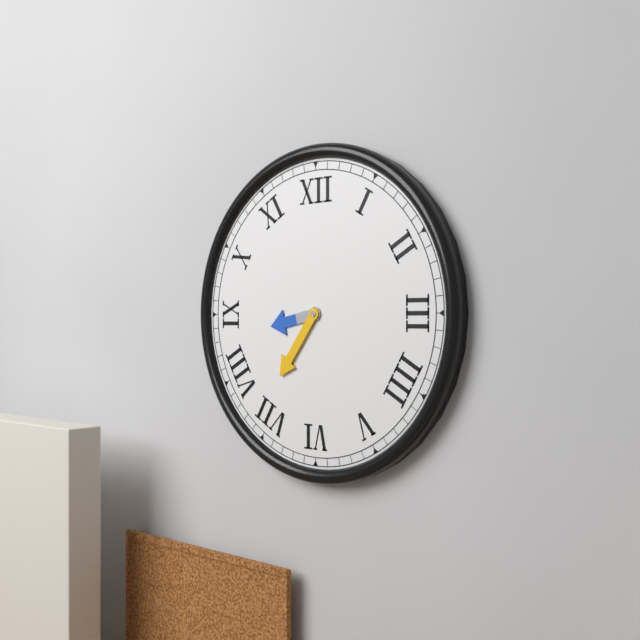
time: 8:36
